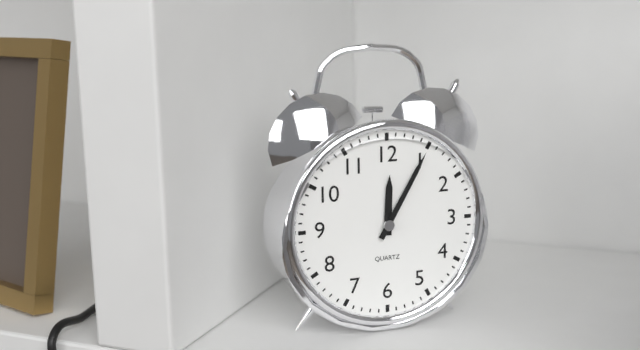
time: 12:05
